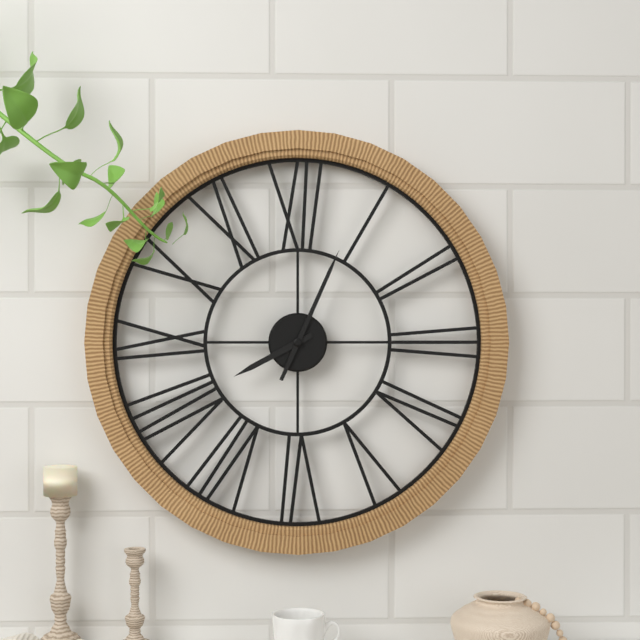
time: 8:04
